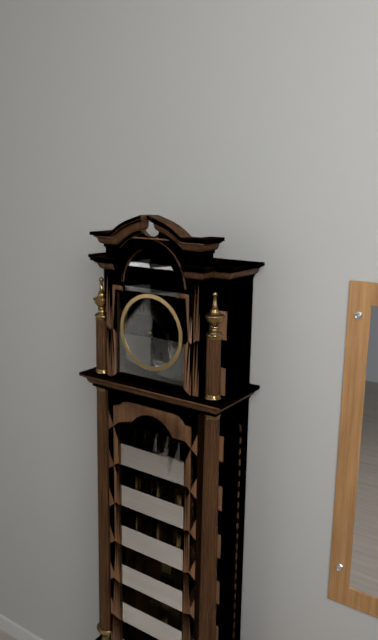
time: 5:34
